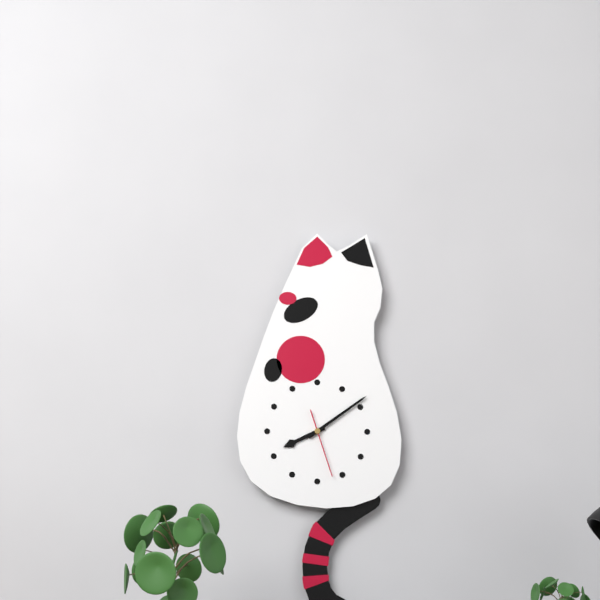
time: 8:09:27
